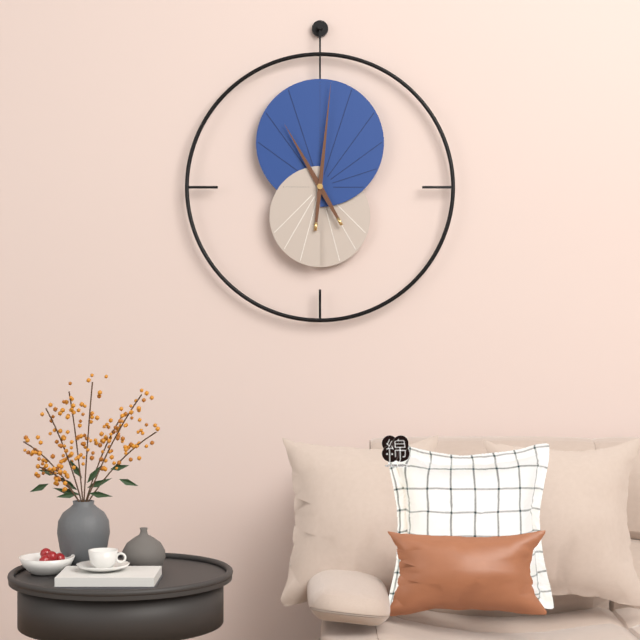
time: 11:01
